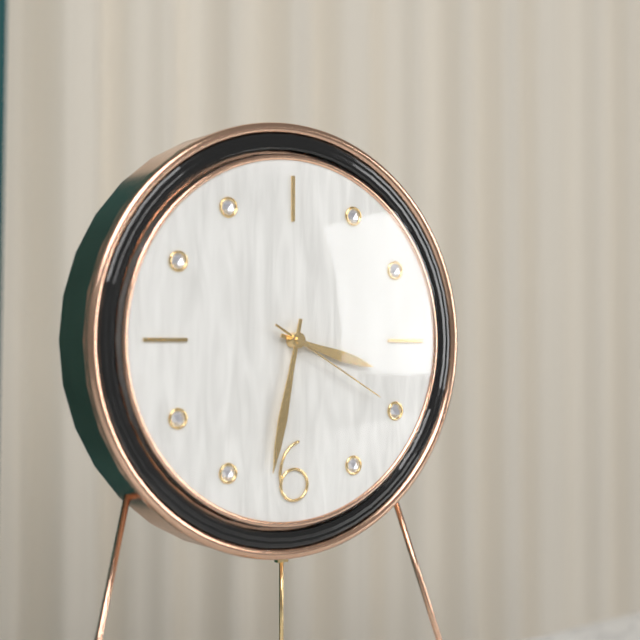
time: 3:32:20
